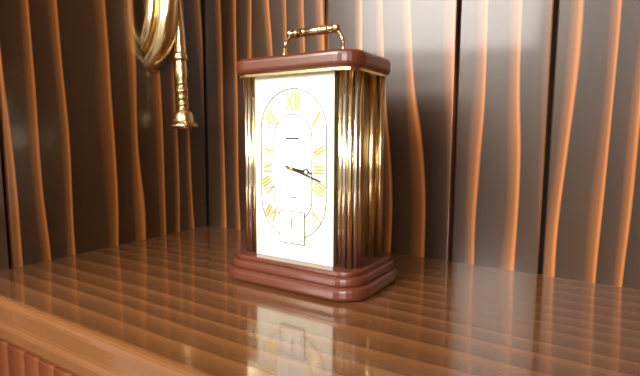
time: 3:18
